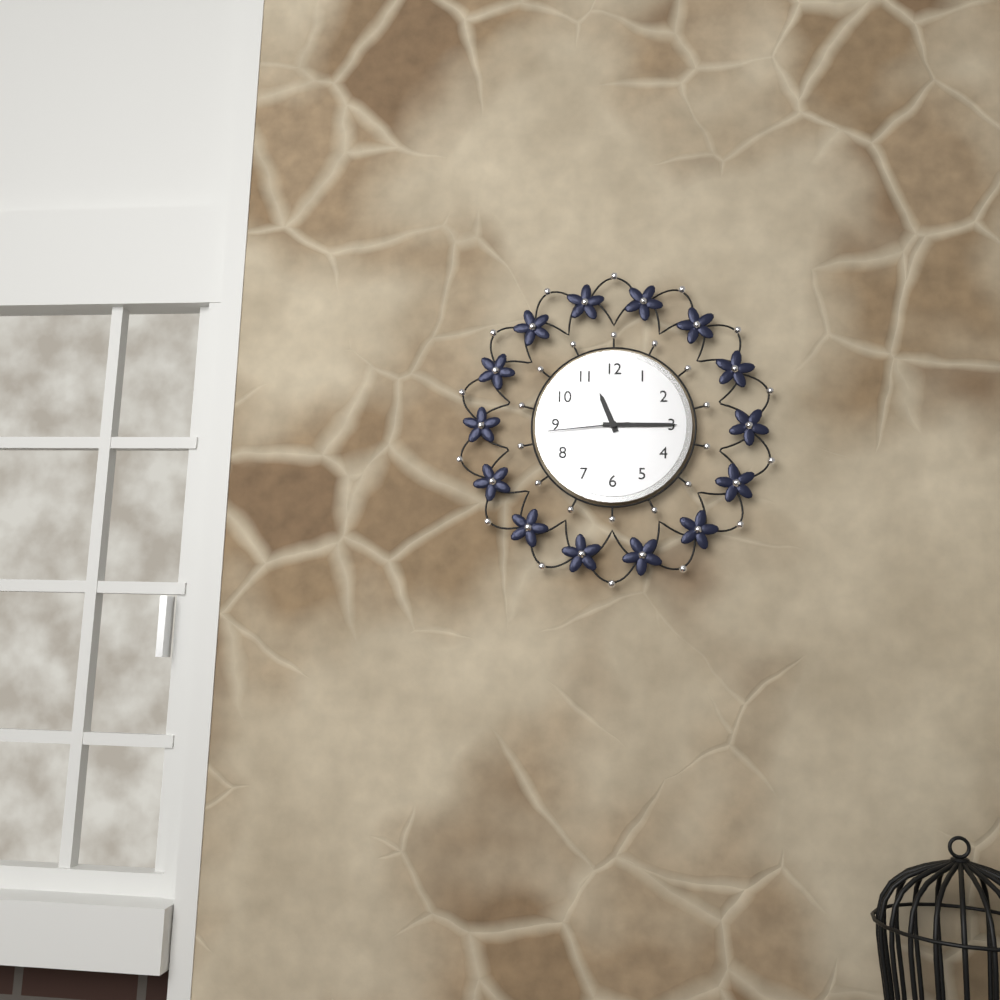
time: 11:15:44
